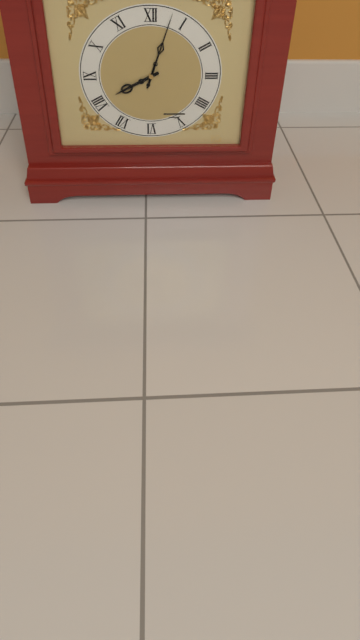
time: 8:03
